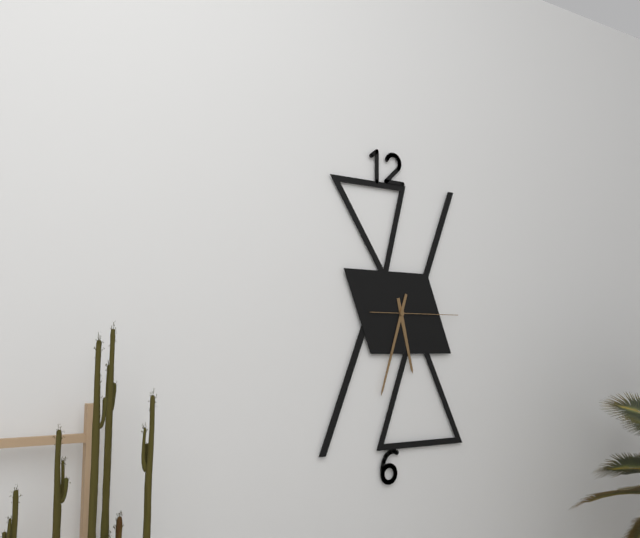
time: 5:33:15
